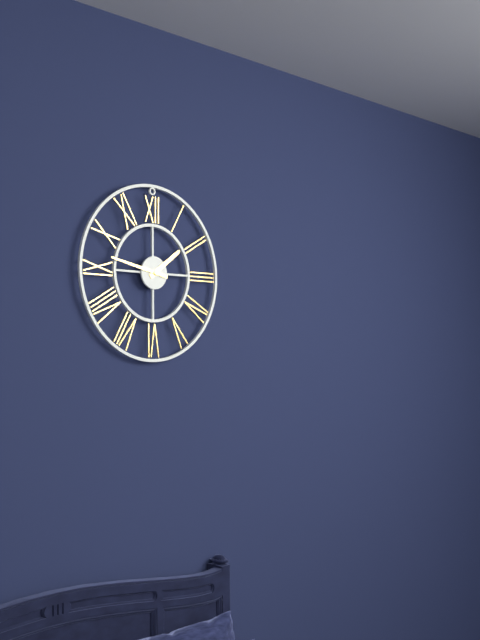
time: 1:47
